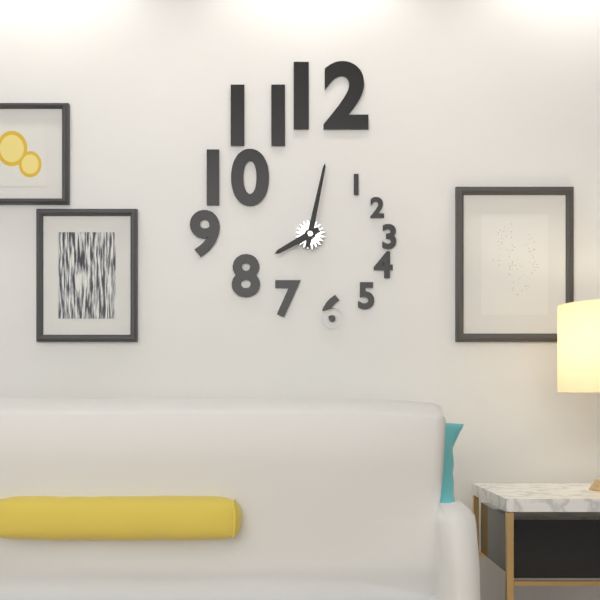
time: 8:02
